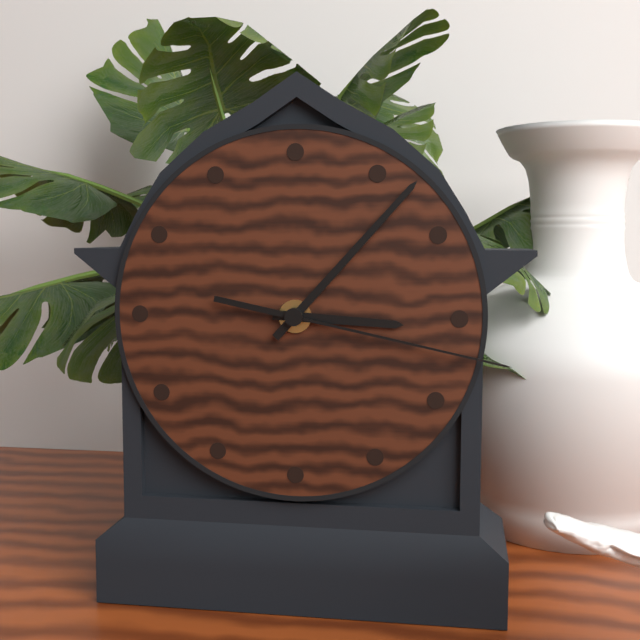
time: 3:07:17
